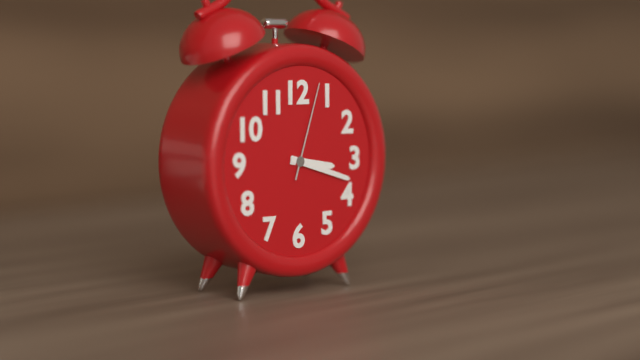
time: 3:18:03
